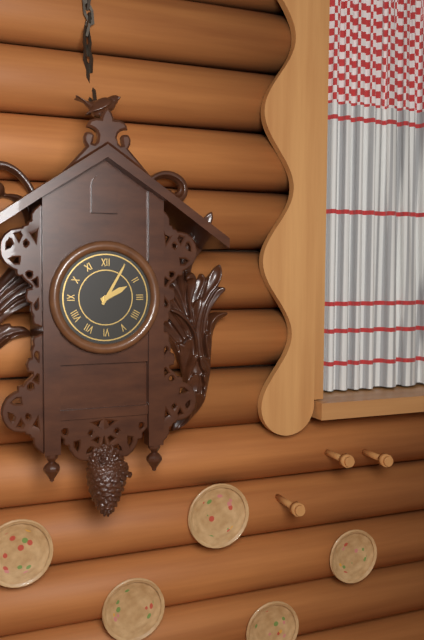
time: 2:05
